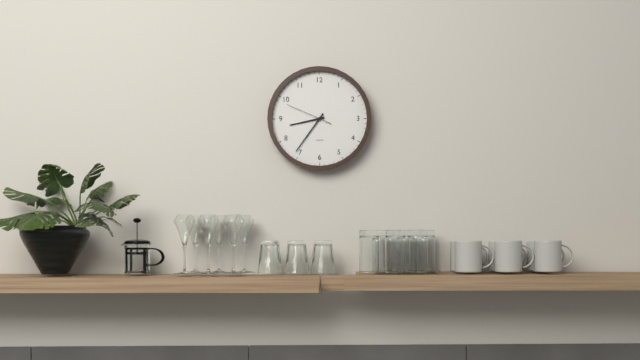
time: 8:36
